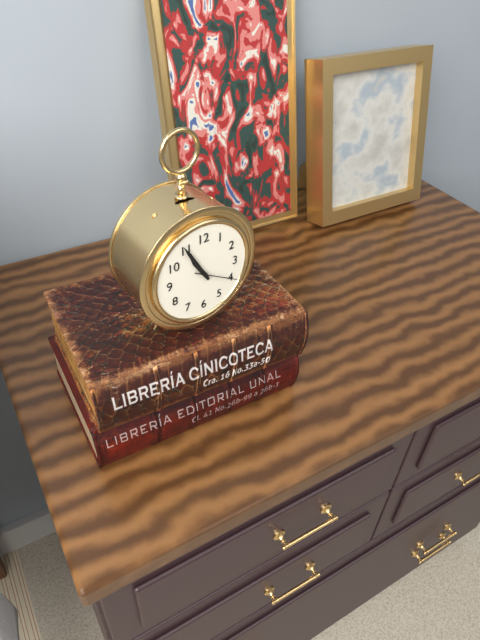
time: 10:55
